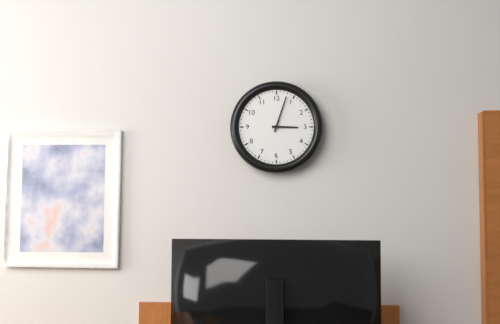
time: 3:03
